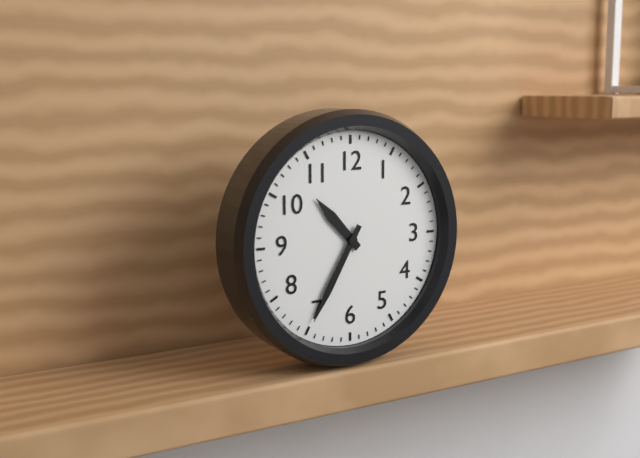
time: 10:35
